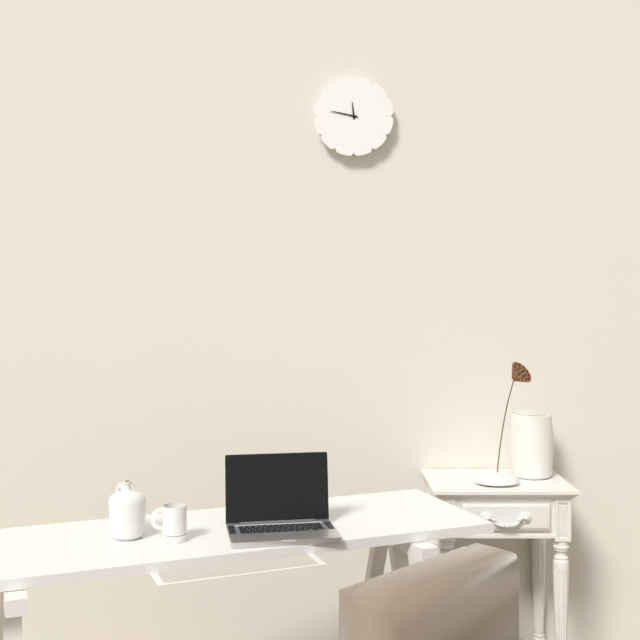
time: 11:47
